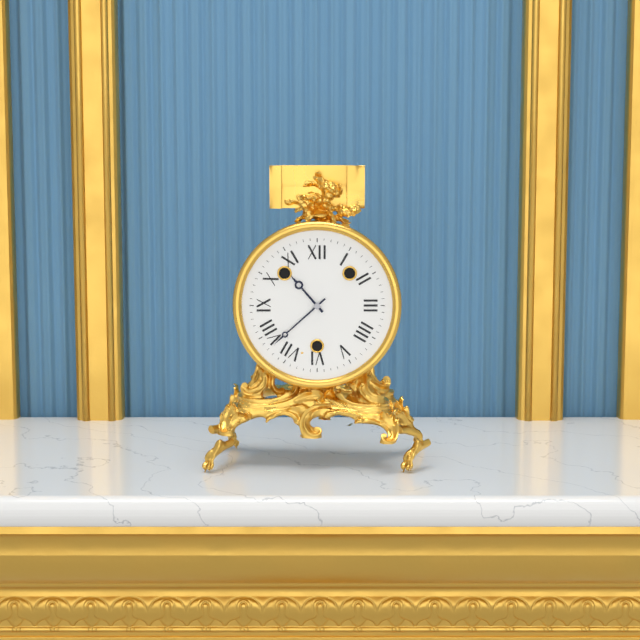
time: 10:38
